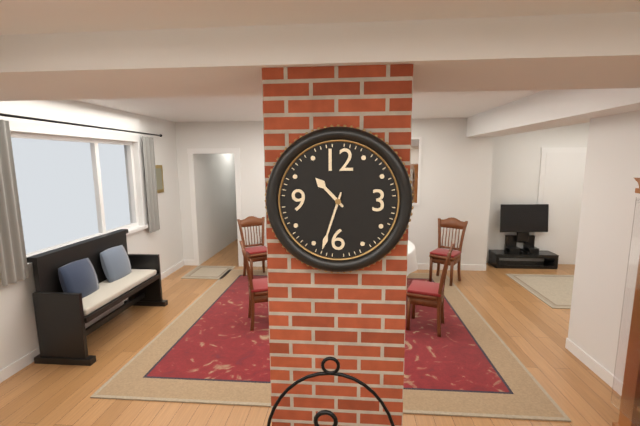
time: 10:33
